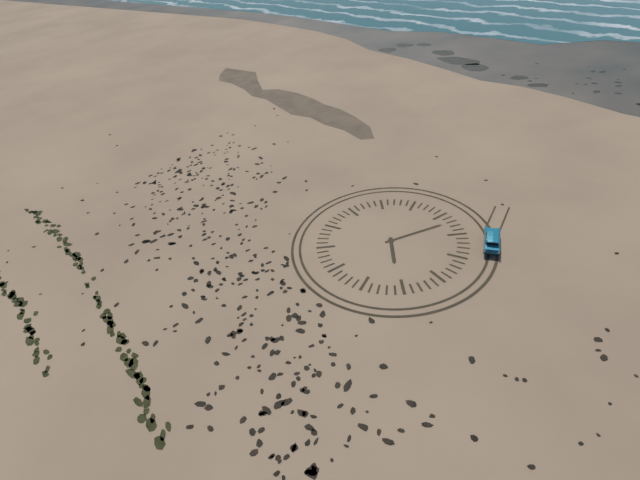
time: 5:07
